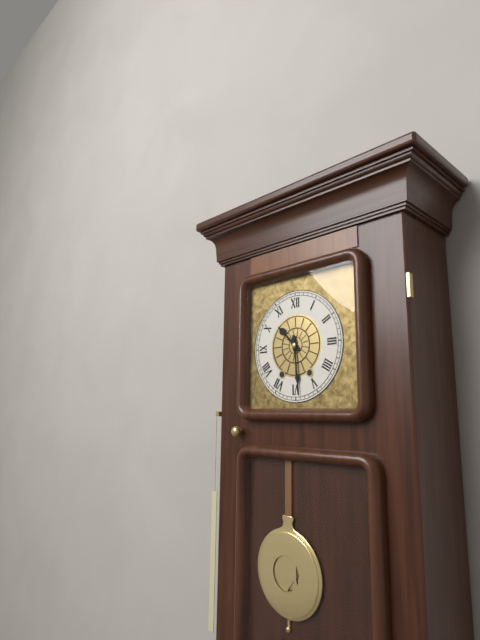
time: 10:29
